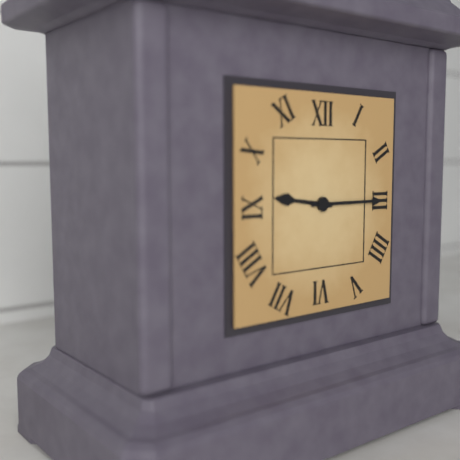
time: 9:15
